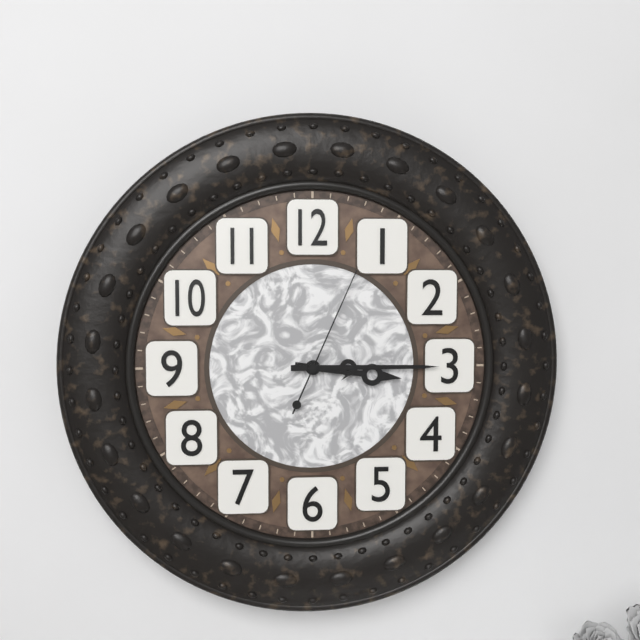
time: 3:15:04
